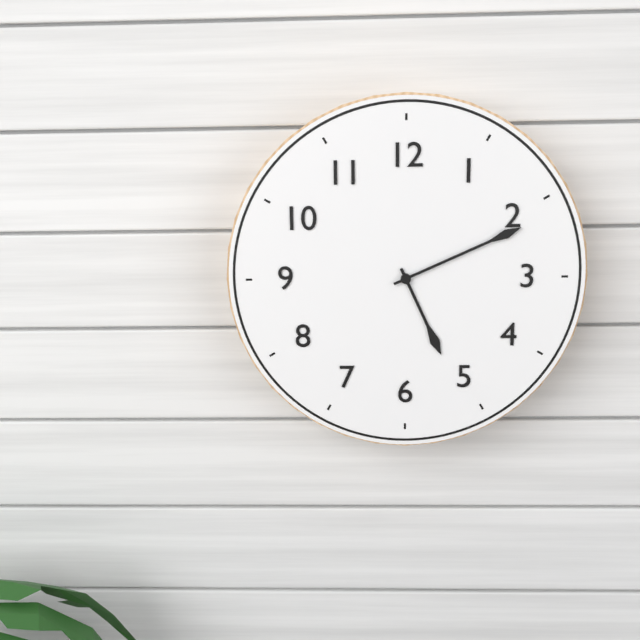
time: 5:11
